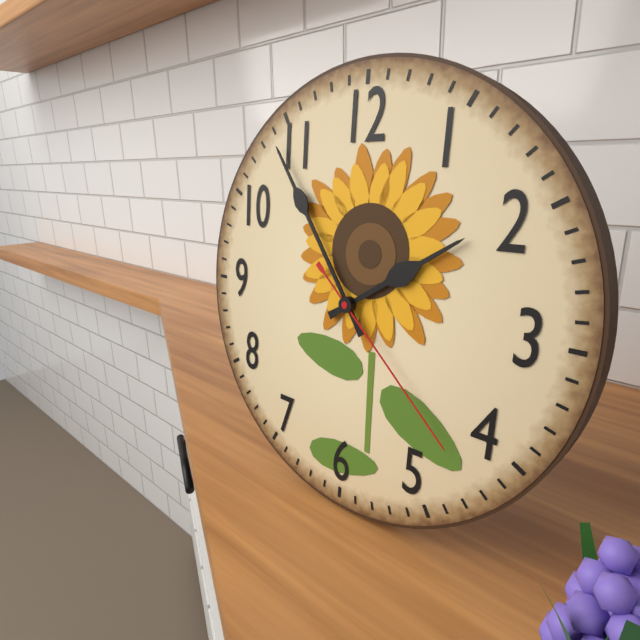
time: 1:54:22
